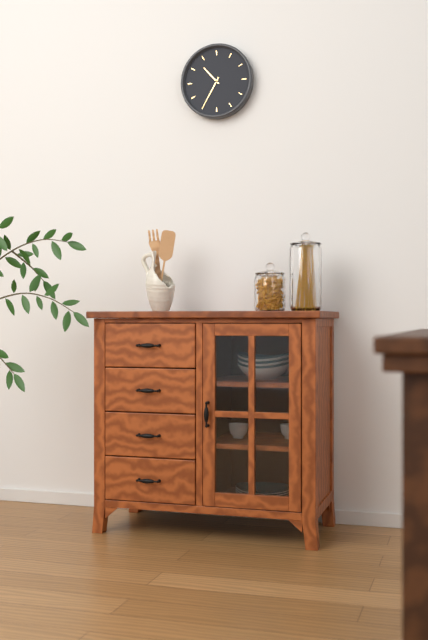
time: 10:35
